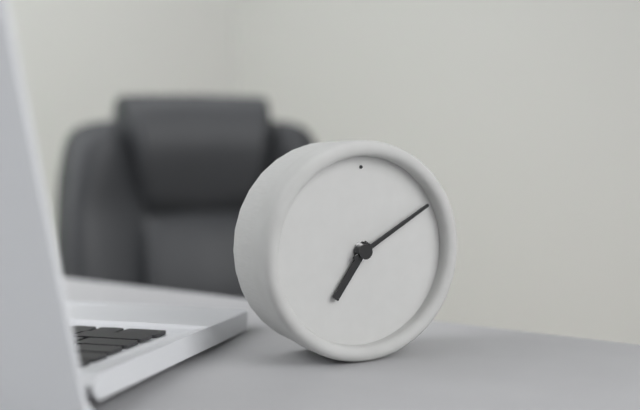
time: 7:10
